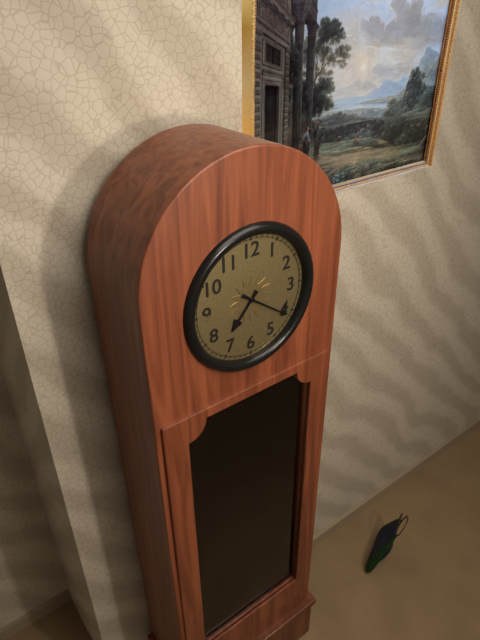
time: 7:21
